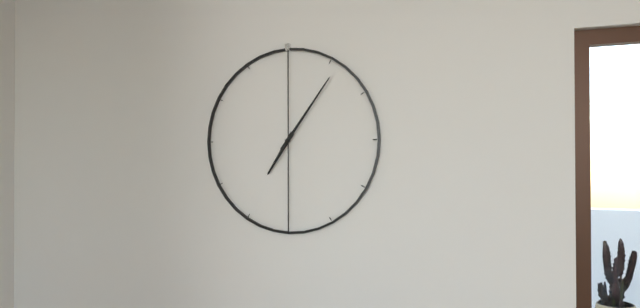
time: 7:06
